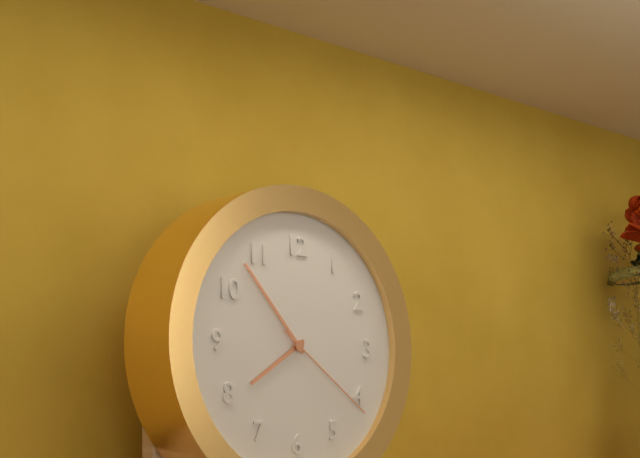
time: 7:53:21
